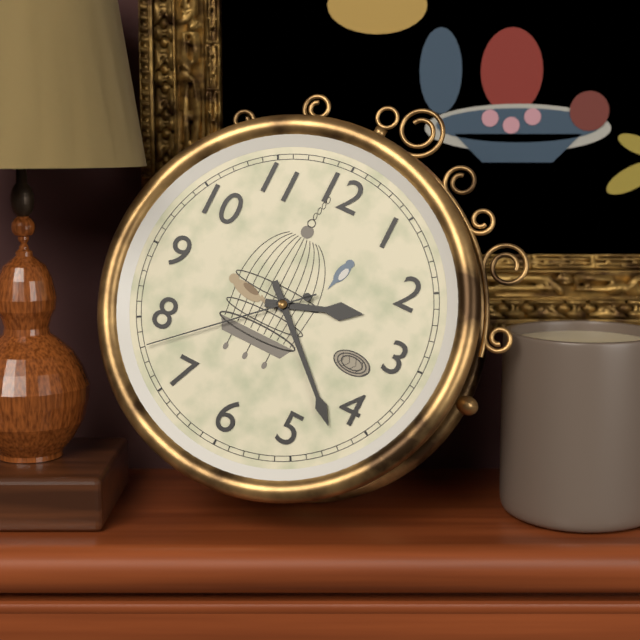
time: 2:22:38
